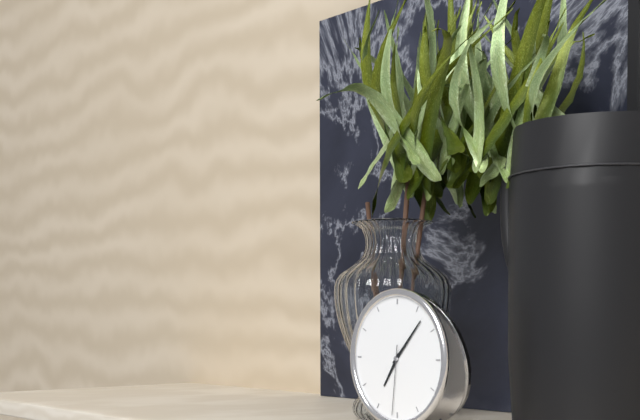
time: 7:07:31
